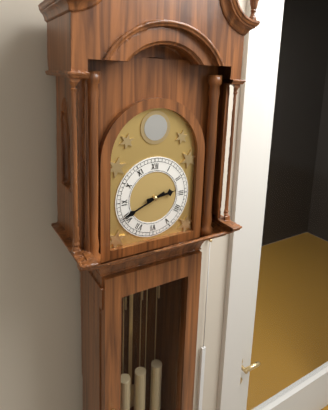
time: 2:41
